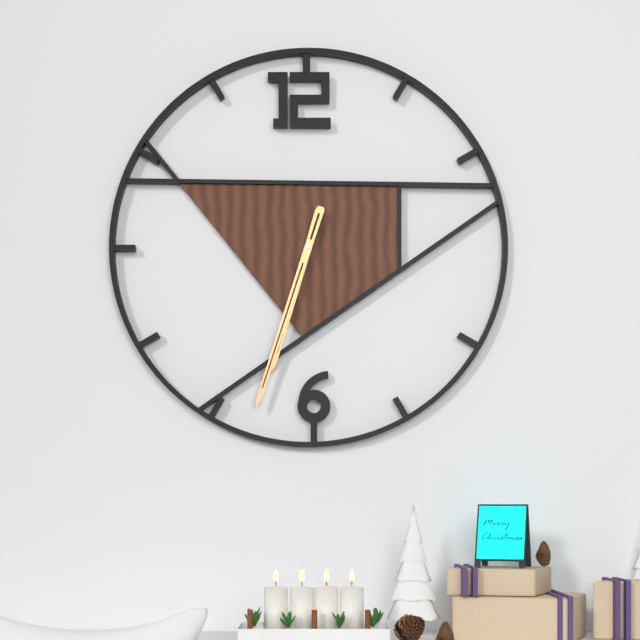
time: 6:33
